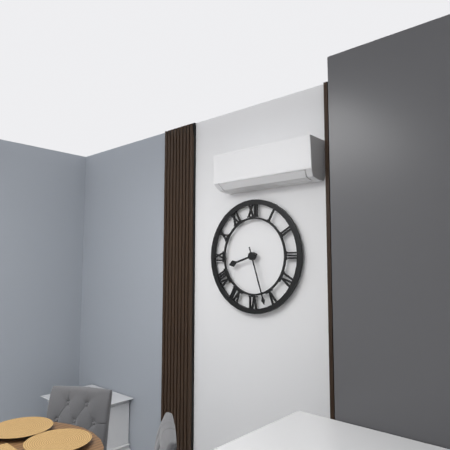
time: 8:27
